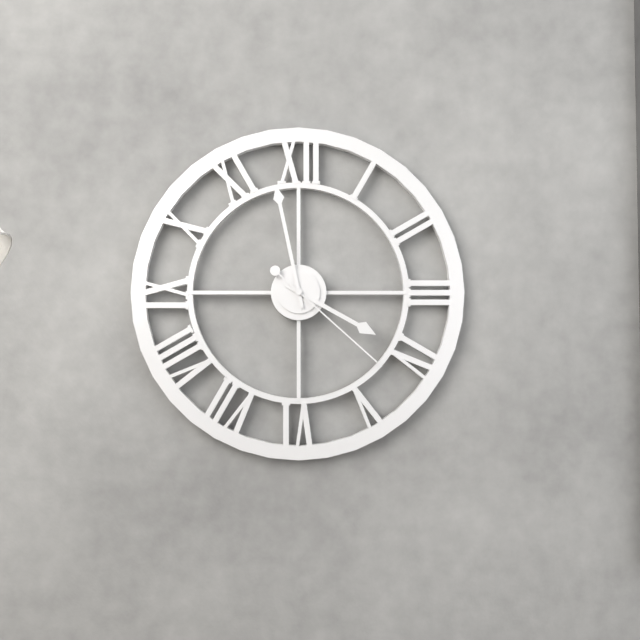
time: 3:58:22
